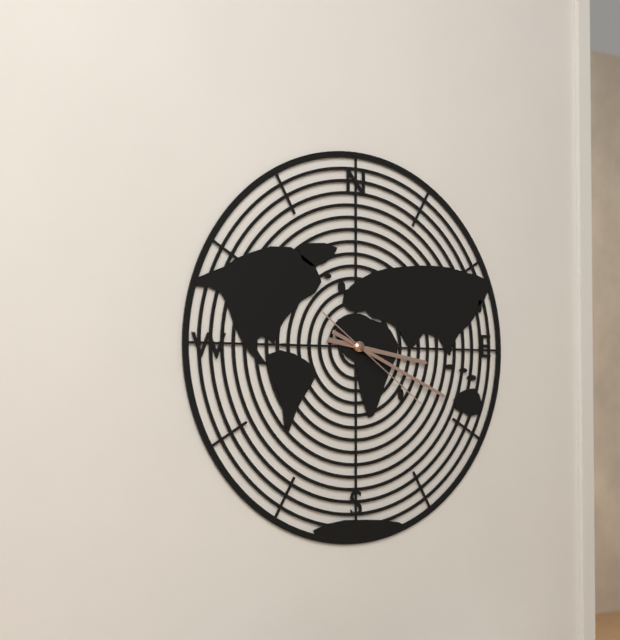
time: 3:19:21
